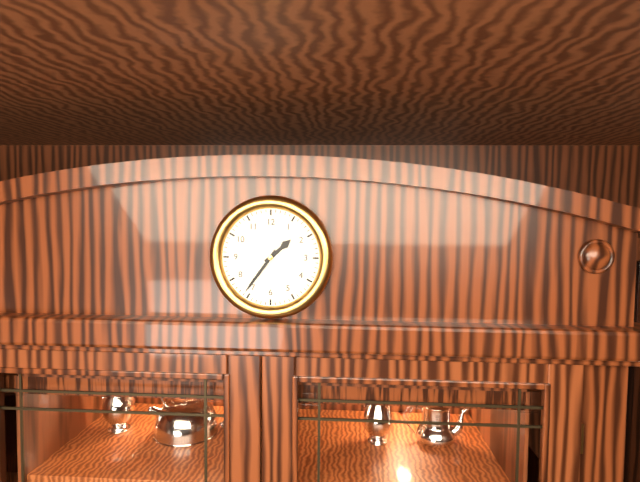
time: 1:36
